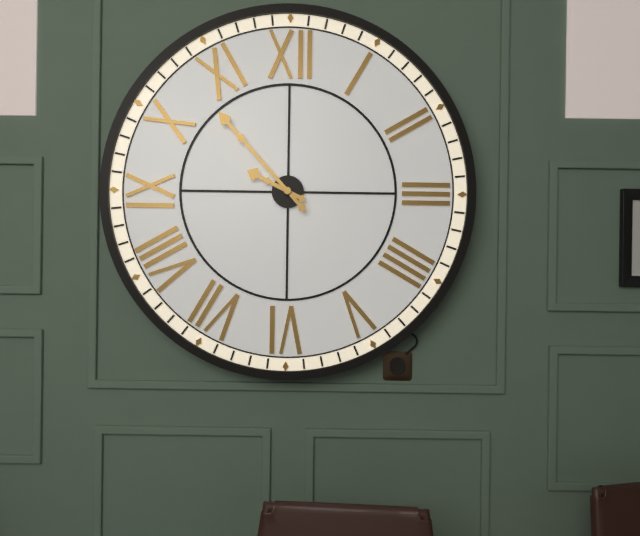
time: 9:53
